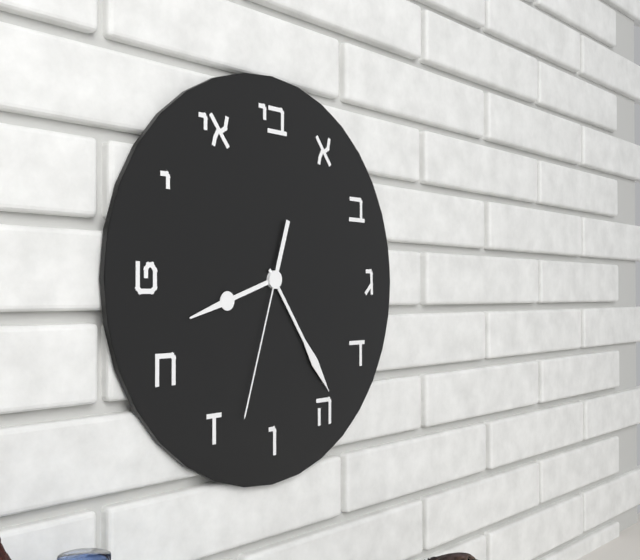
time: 8:24:33
